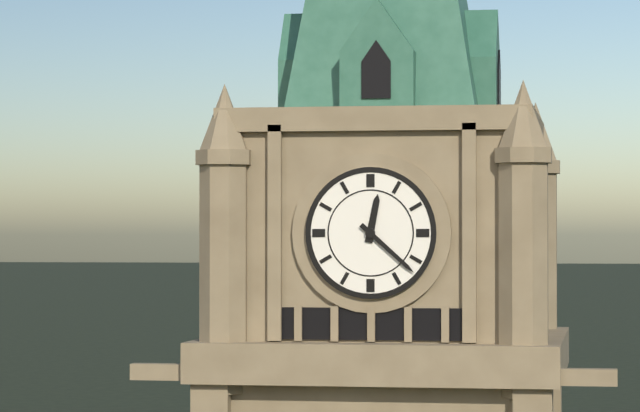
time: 12:22
